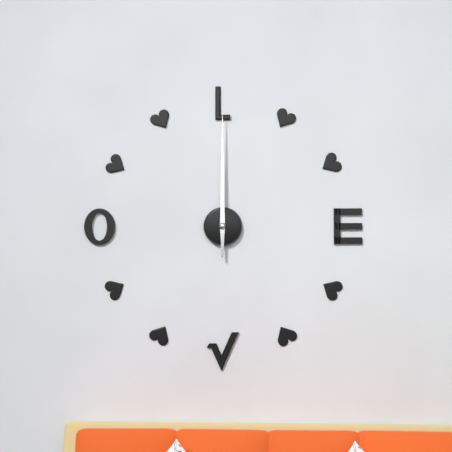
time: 12:00
